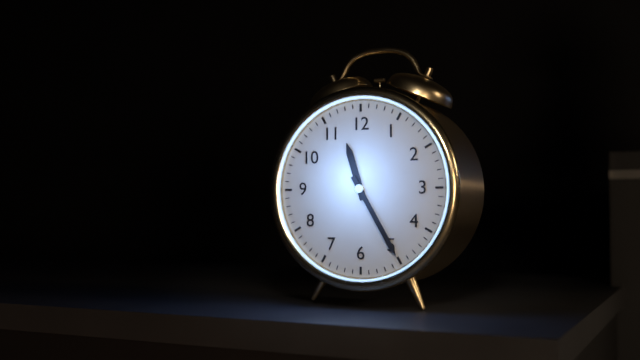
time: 11:25
